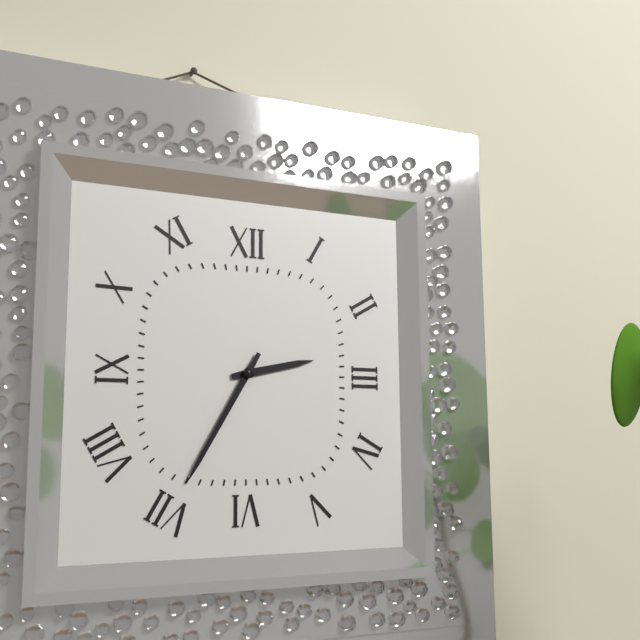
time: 2:35
